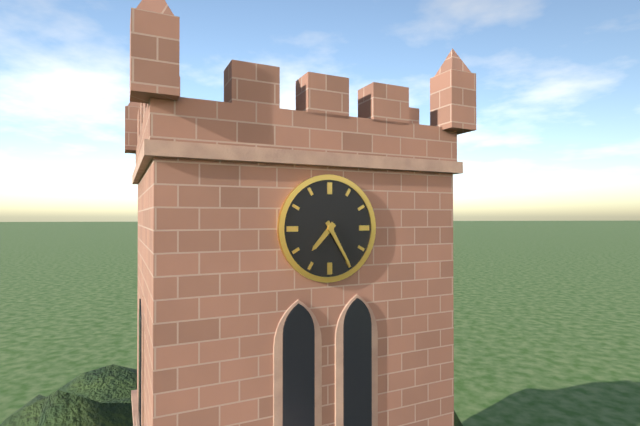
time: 7:25
